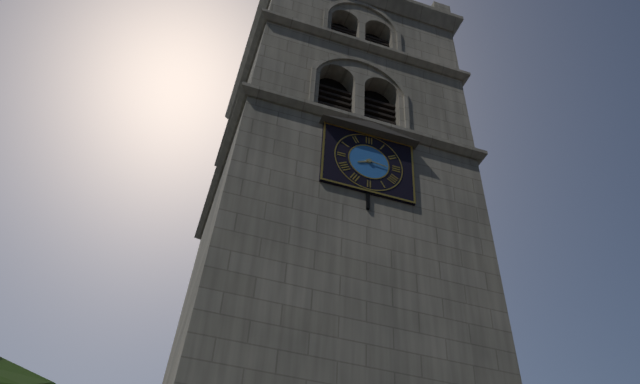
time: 8:16
